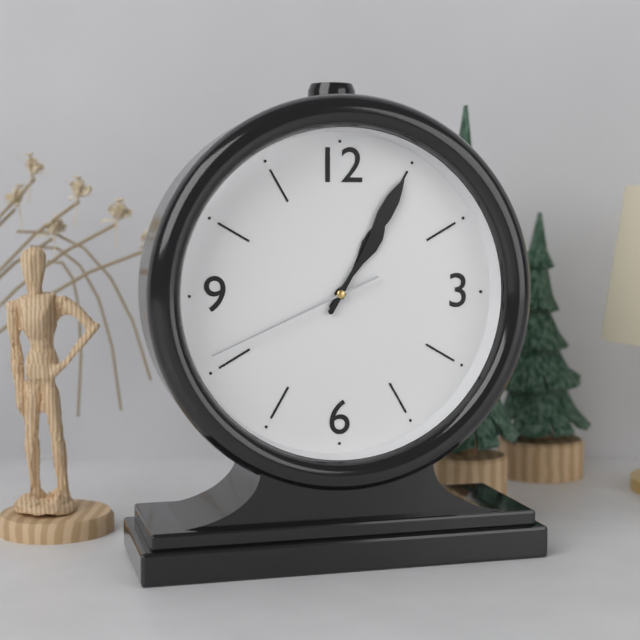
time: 1:05:41
